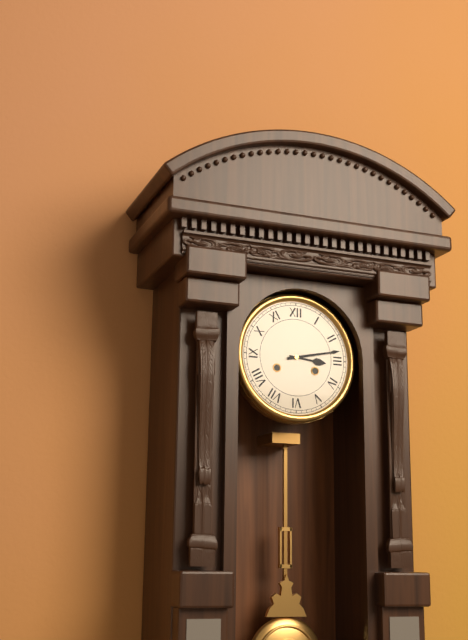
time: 3:13
